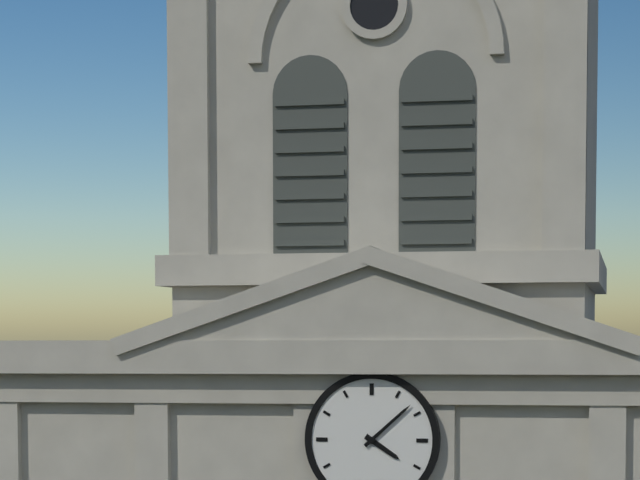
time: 4:08
